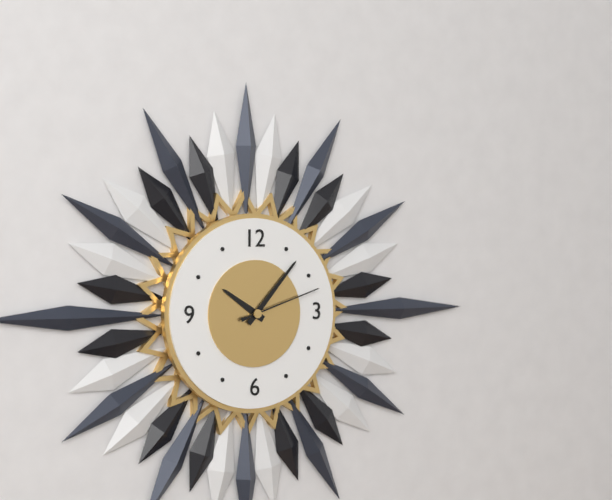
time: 10:07:12
